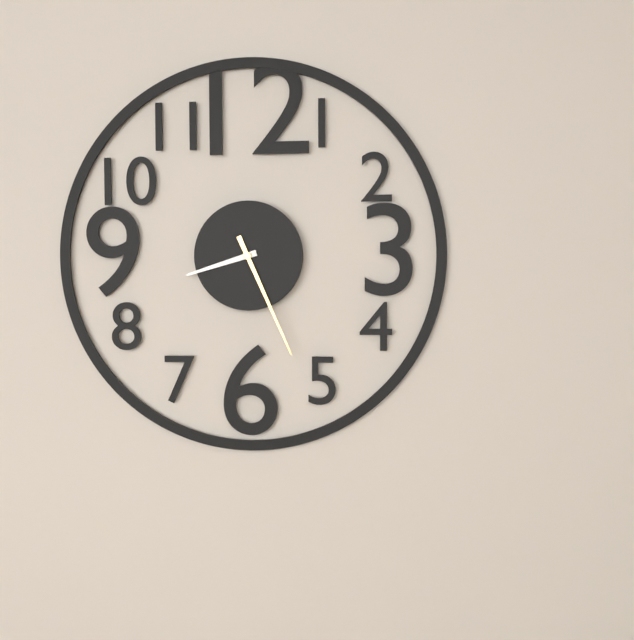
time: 8:26
